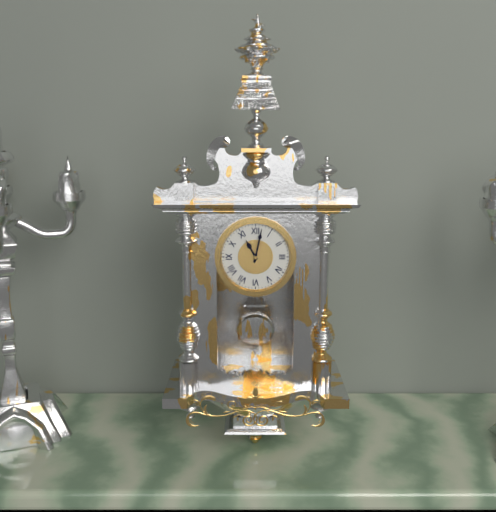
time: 11:02
